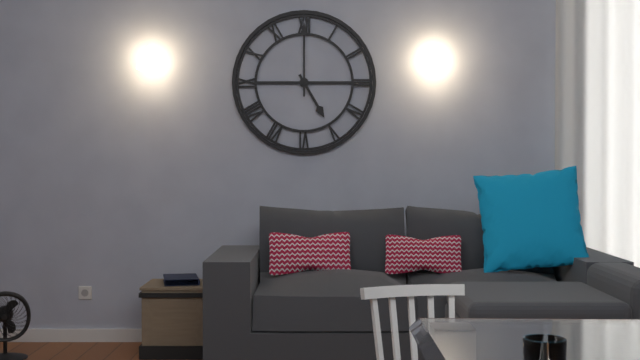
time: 5:00
